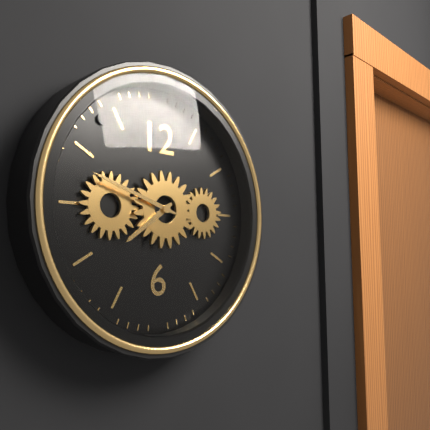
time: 7:48
